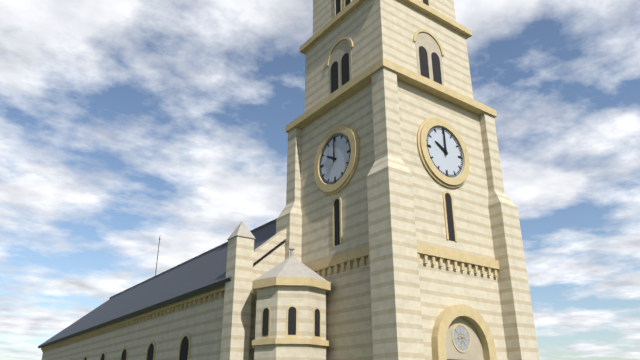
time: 10:00
